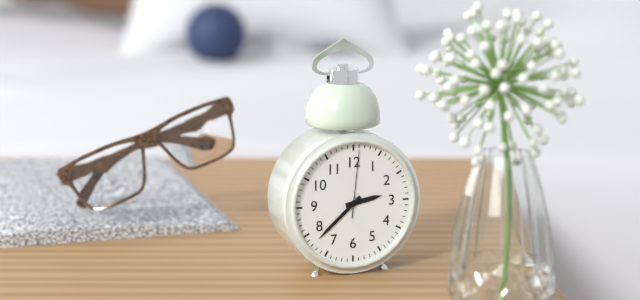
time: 2:38:01
